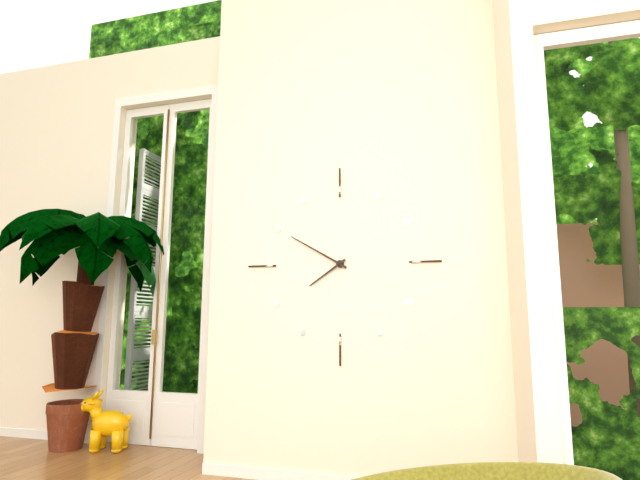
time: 7:50
